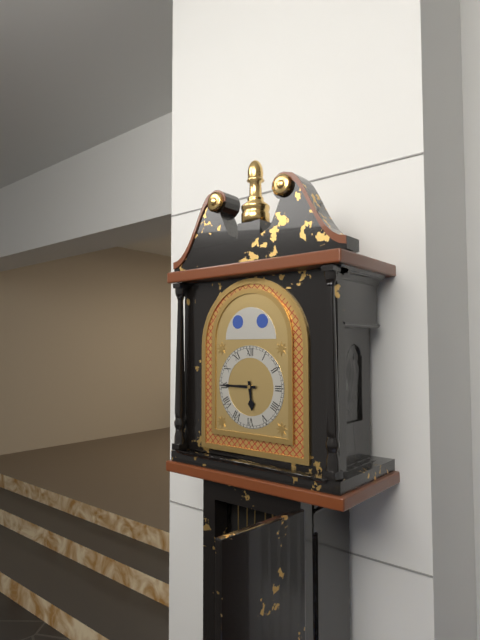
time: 5:45
